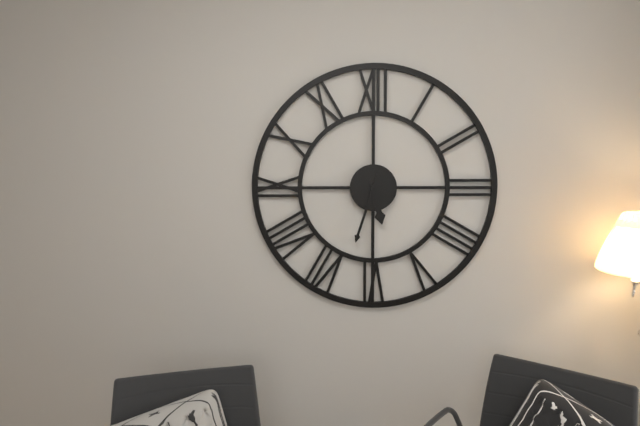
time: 5:33
